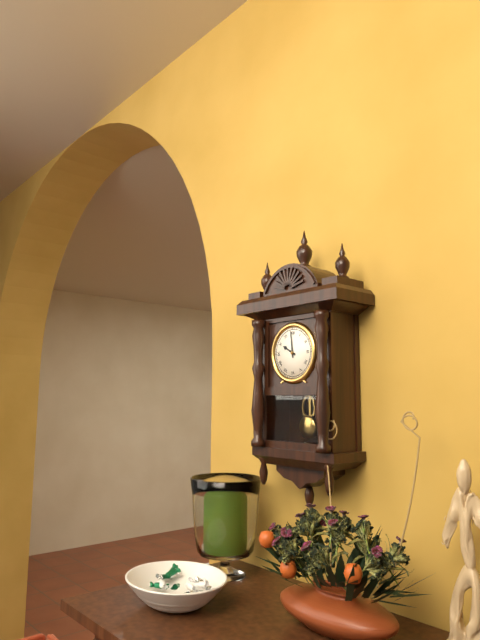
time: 9:59
